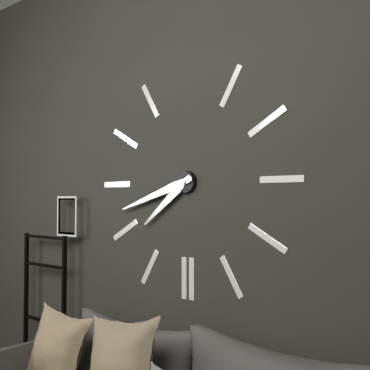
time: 7:42
